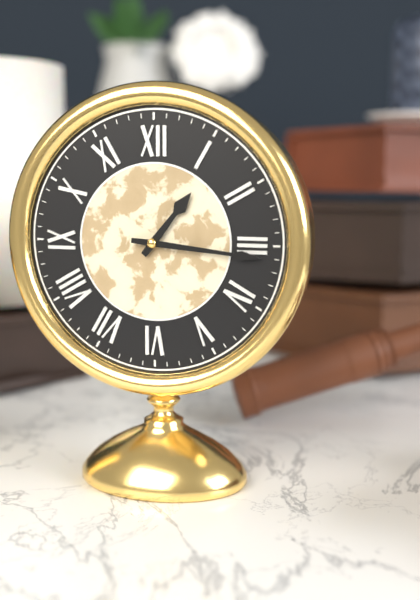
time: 1:16
